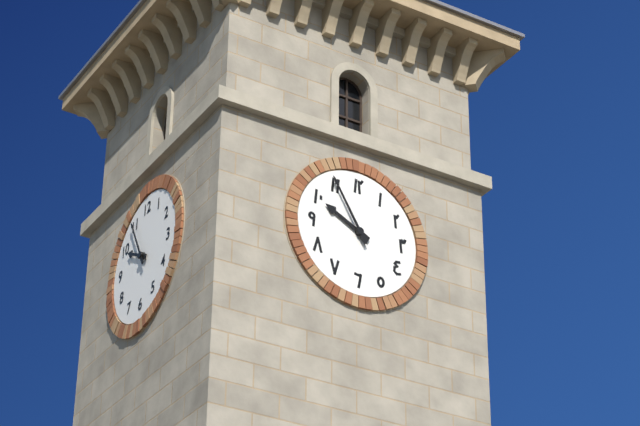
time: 9:55
